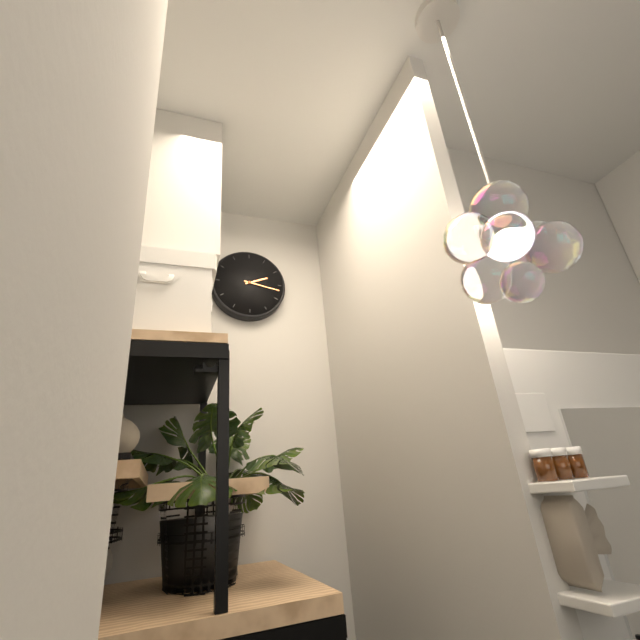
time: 2:17
